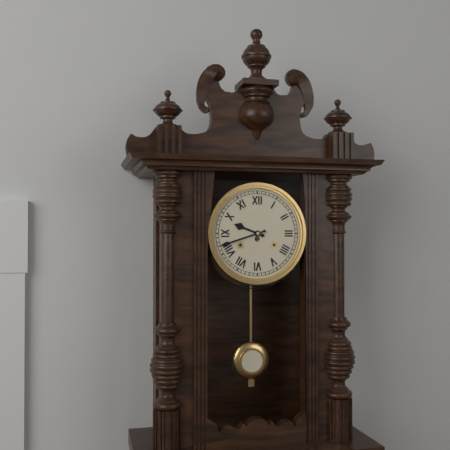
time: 9:42
